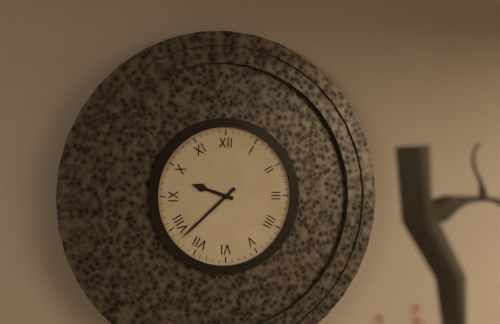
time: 9:38
